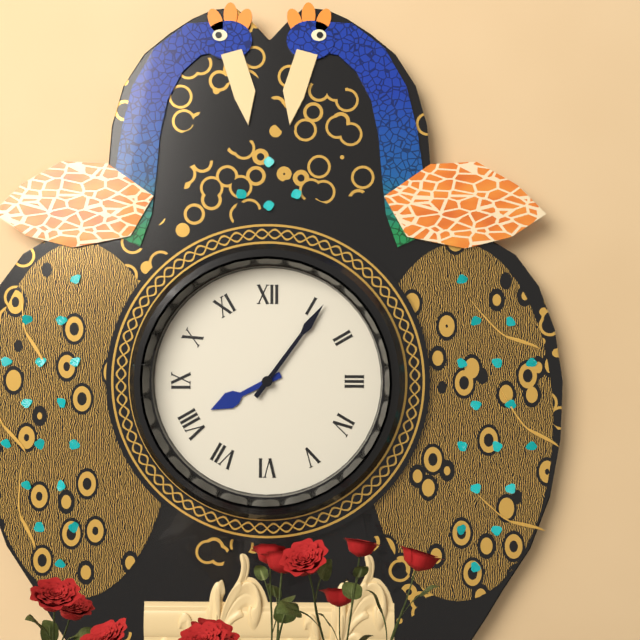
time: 8:06
